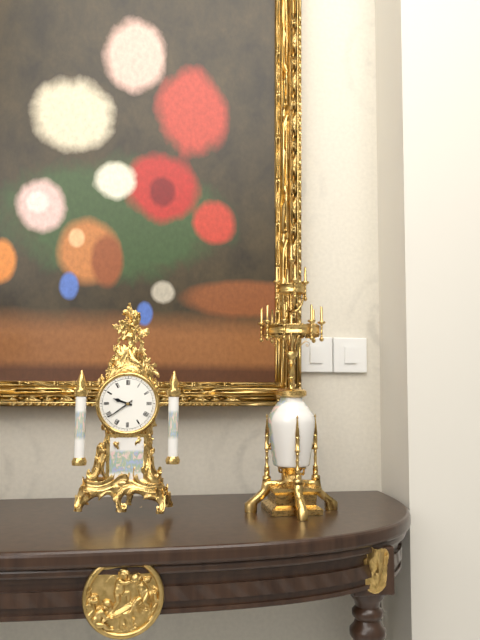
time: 9:39
